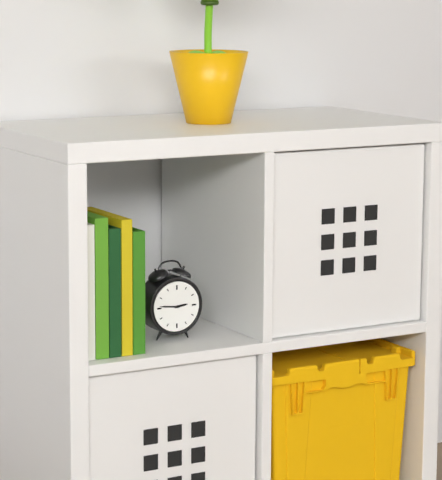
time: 2:46
